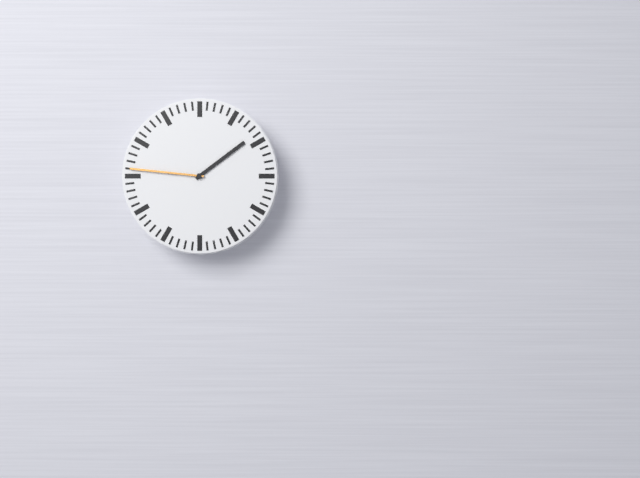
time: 1:46
